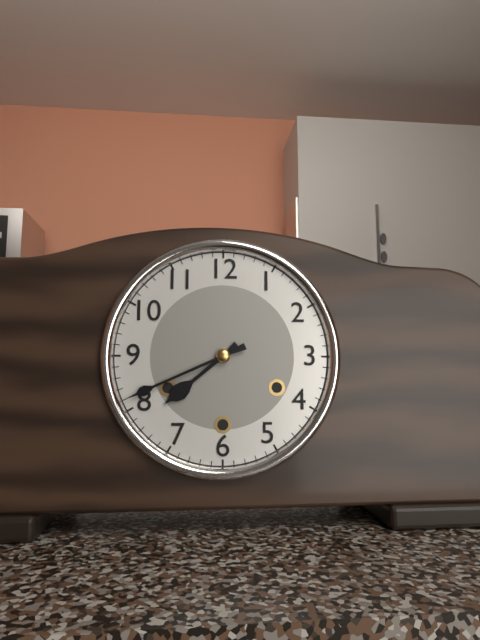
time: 7:41
